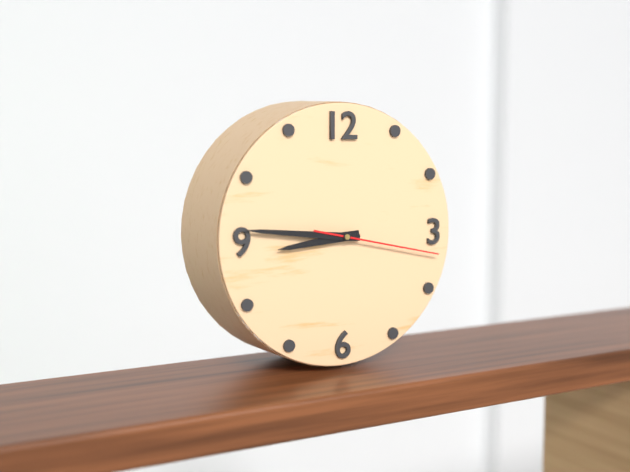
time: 8:46:17
